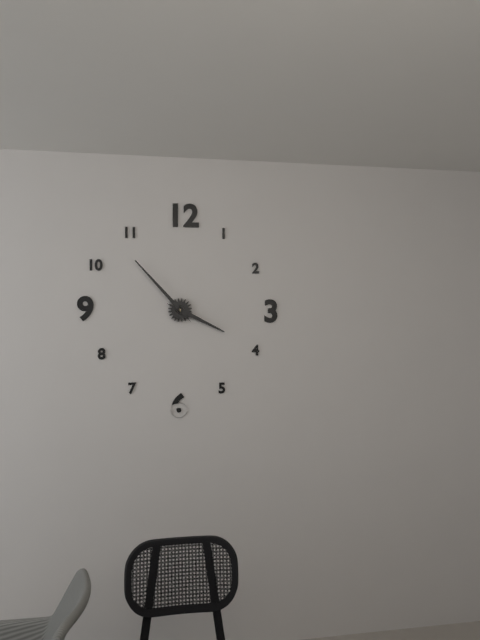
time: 3:53
